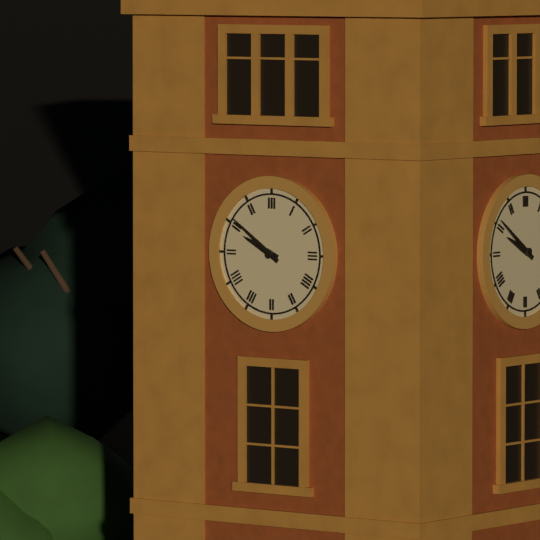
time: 9:51
